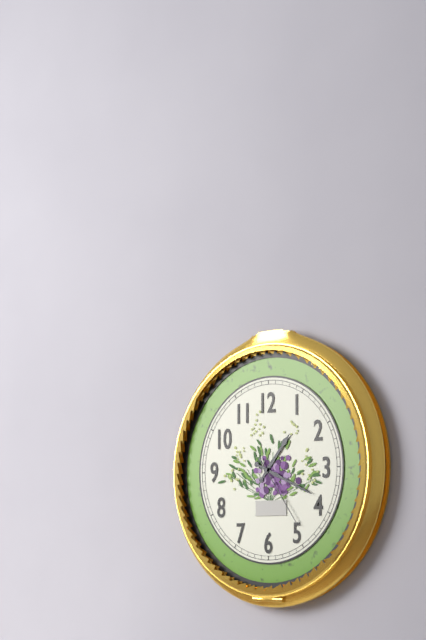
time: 1:19:24
